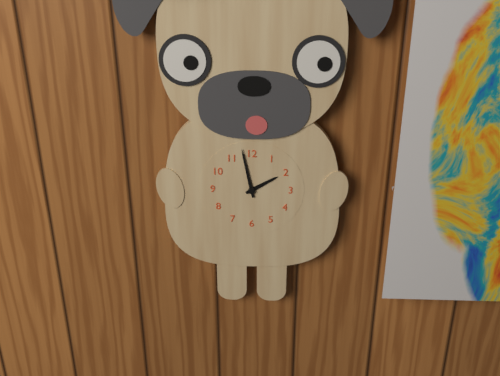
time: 1:58
